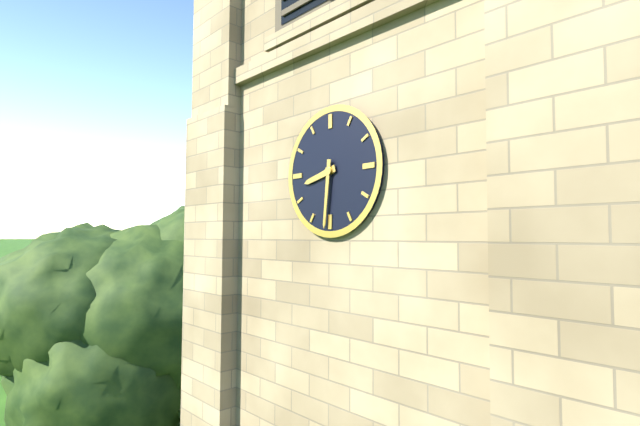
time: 8:31
